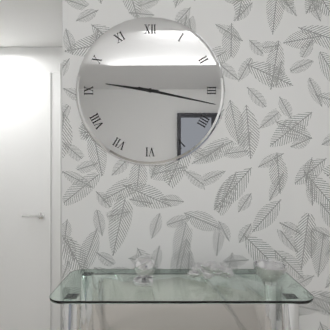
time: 9:17
